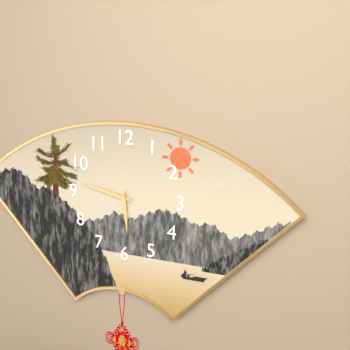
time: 5:47
